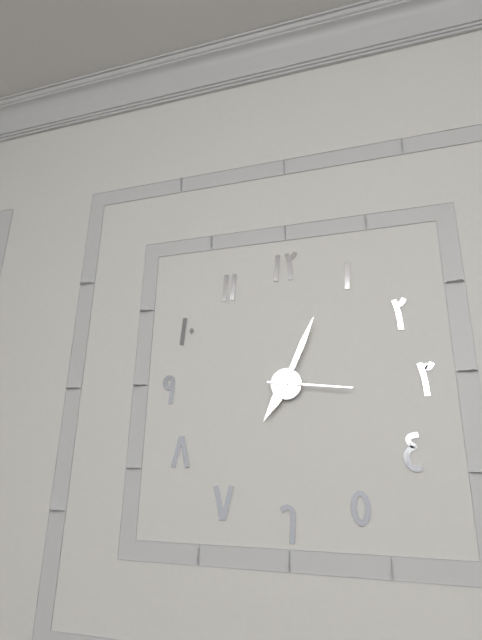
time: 7:04:16
